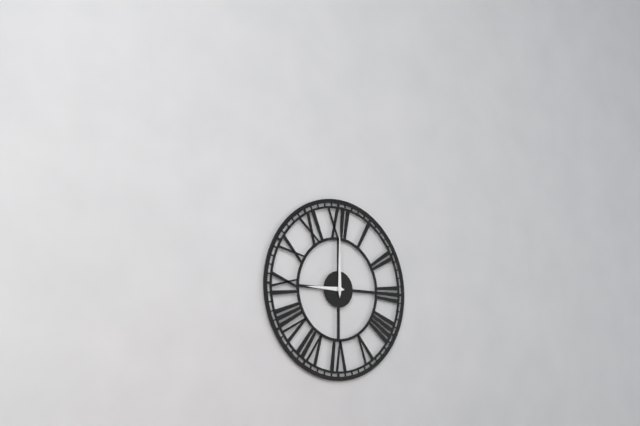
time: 9:00
